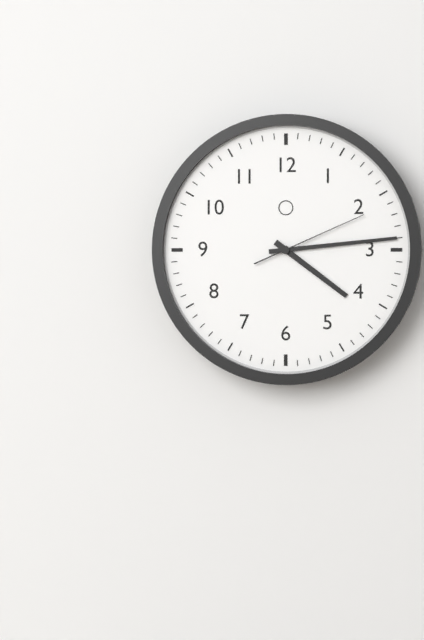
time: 4:14:11
